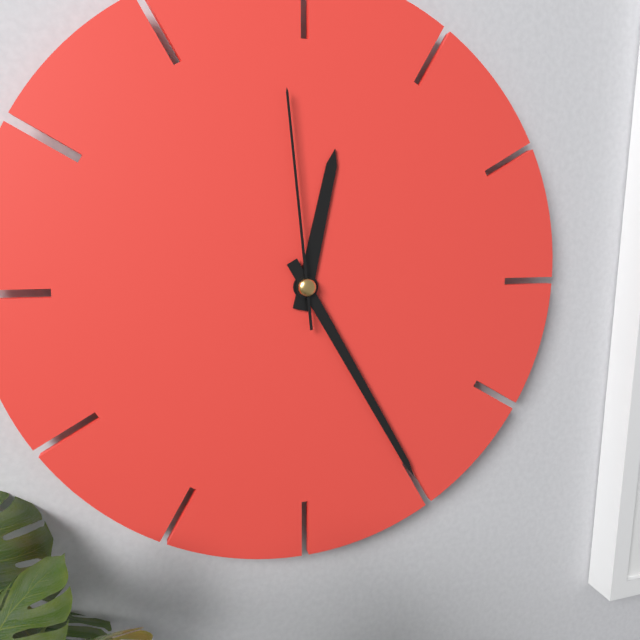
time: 12:25:59
